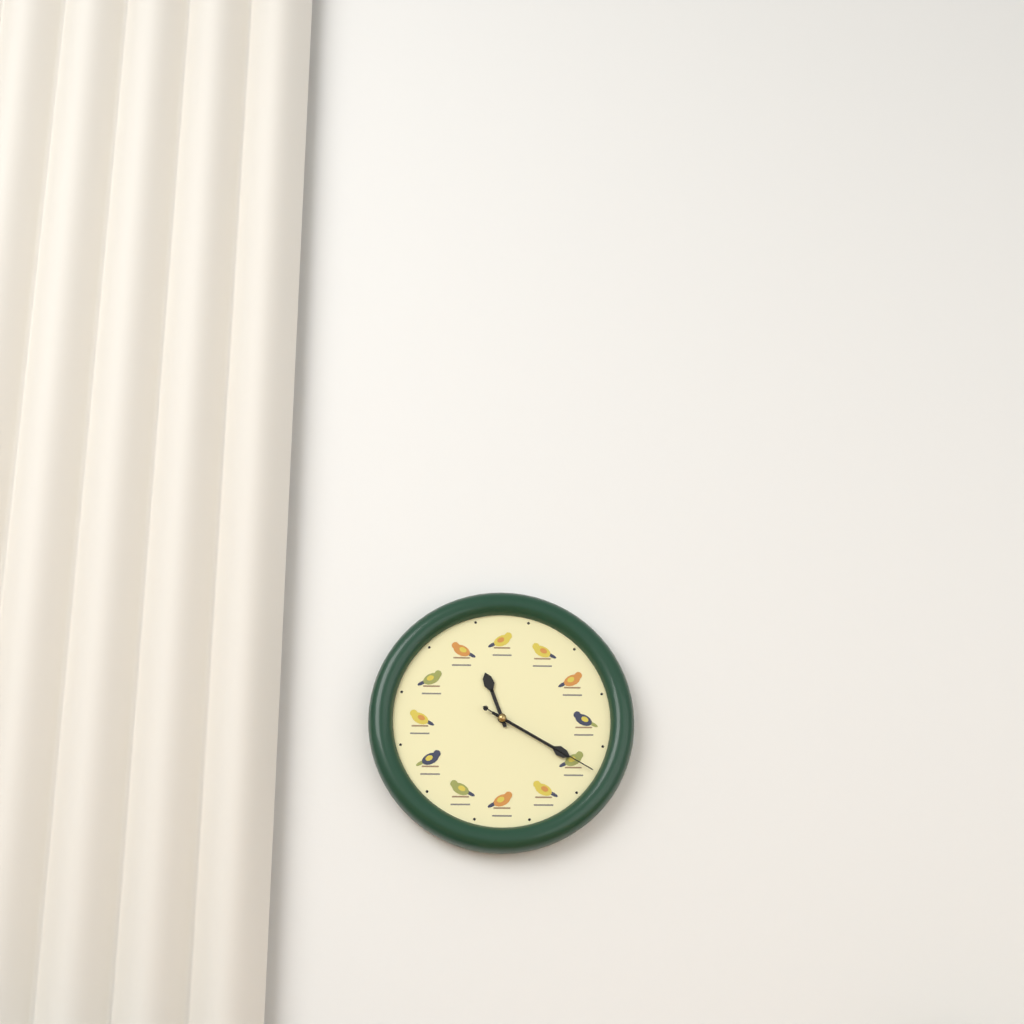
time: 11:20:20
